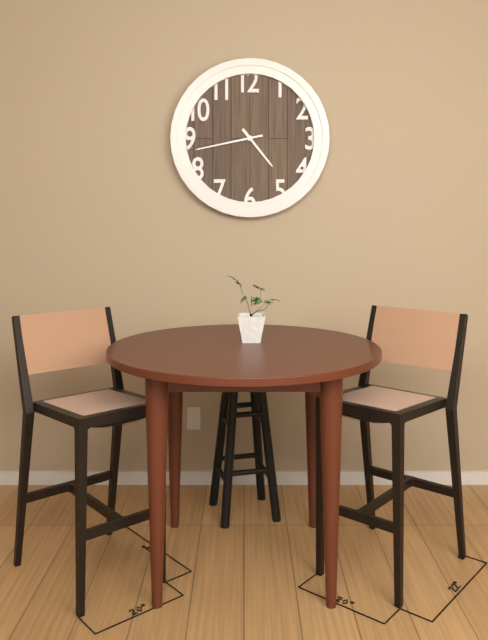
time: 4:43
